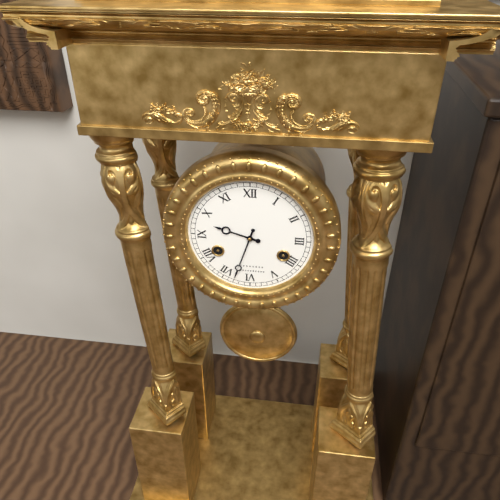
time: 9:33
